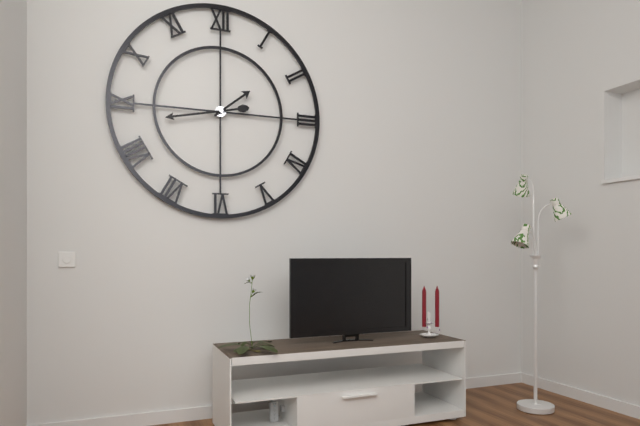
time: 1:43
